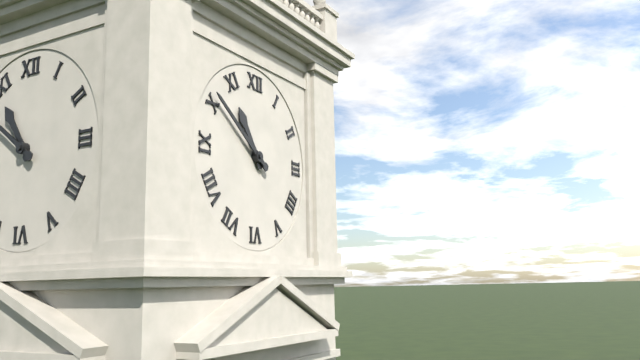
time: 10:51
